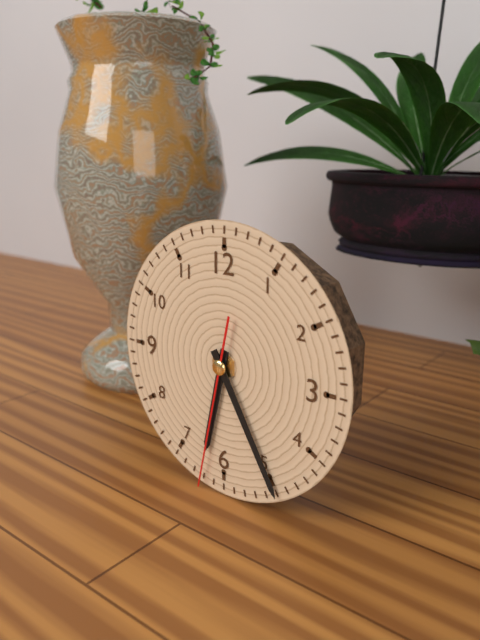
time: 6:25:32
